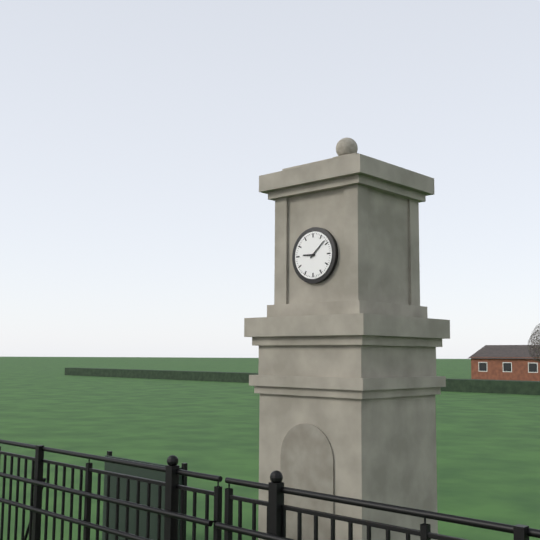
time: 9:08
